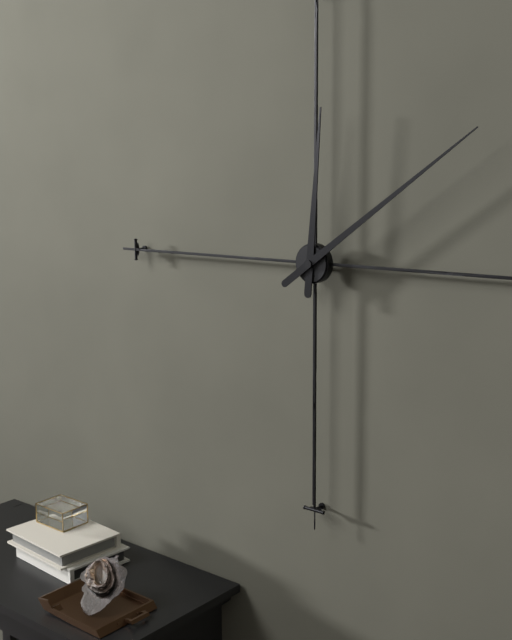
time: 12:09
